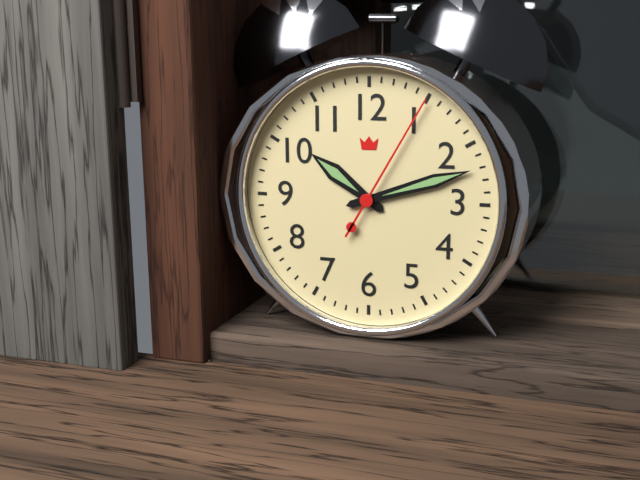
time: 10:12:05
